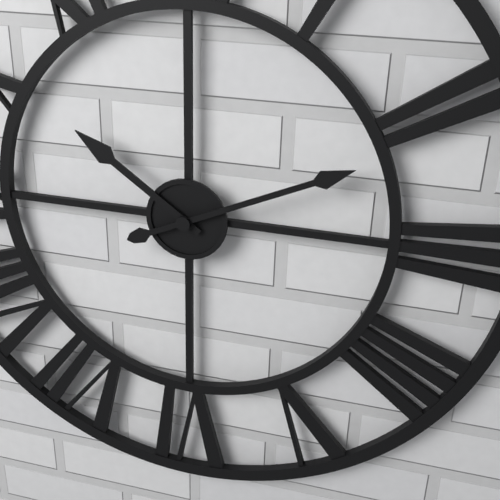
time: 10:11
